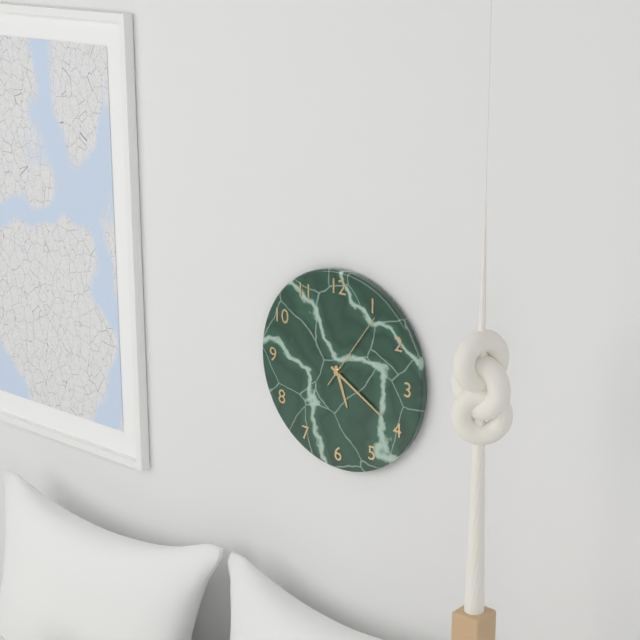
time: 5:20:06
